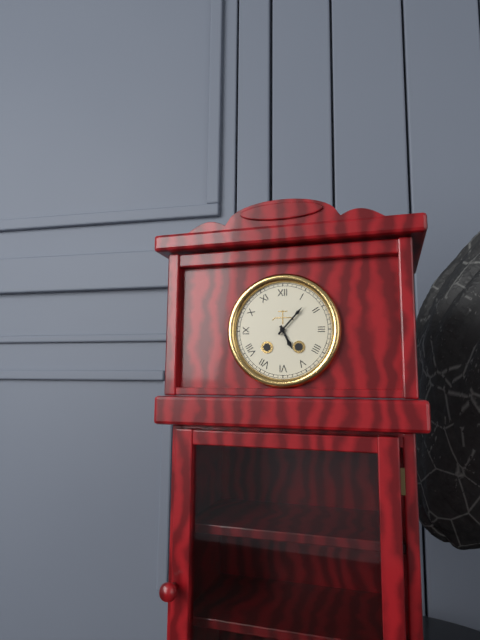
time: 5:07
